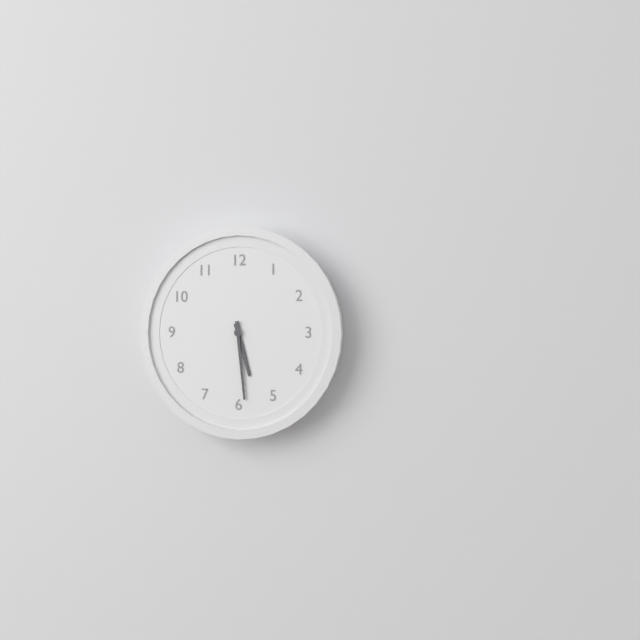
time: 5:29
